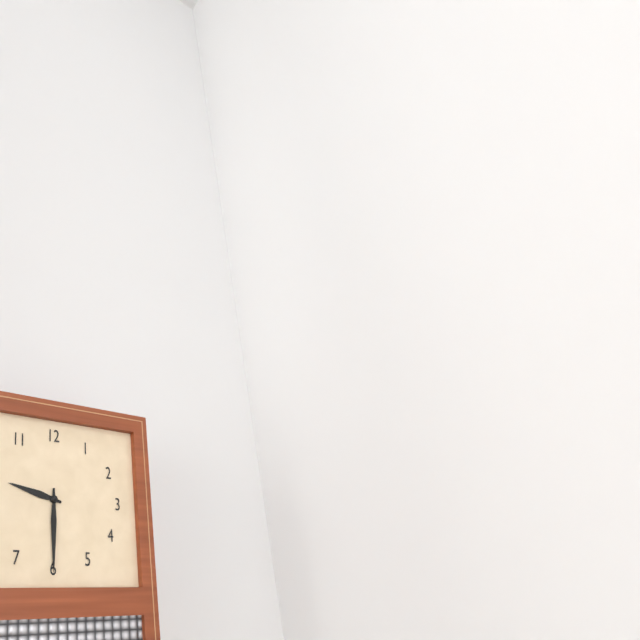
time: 9:30
